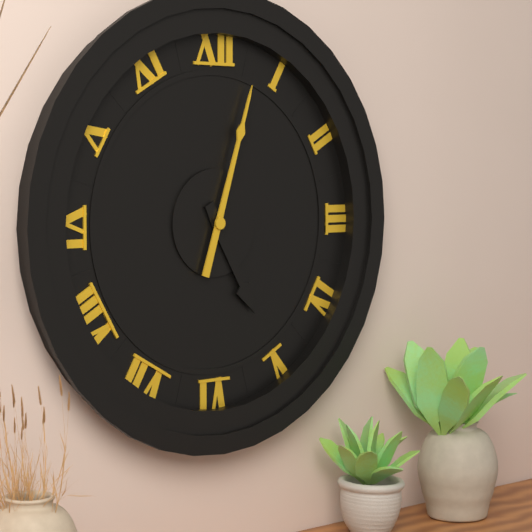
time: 5:03
